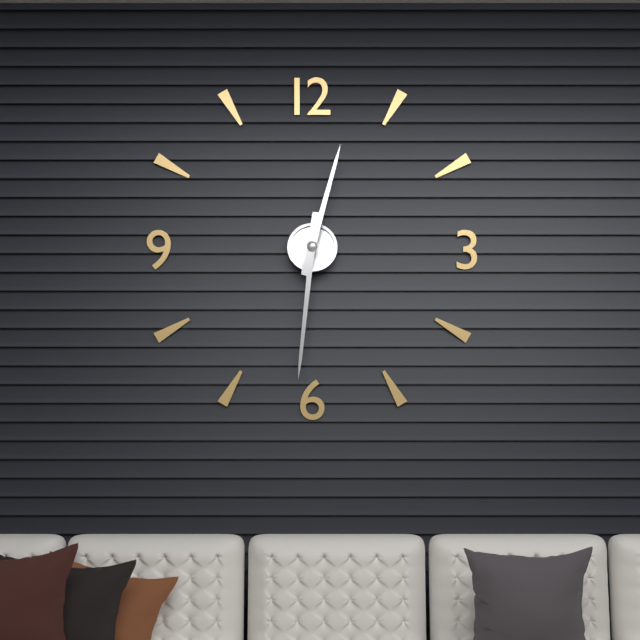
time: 12:31
